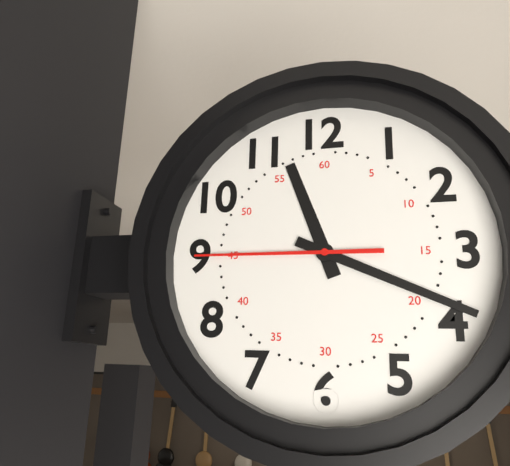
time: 11:19:45
